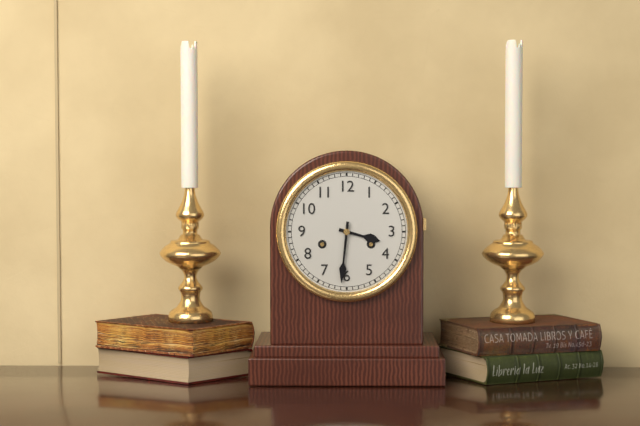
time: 3:31
